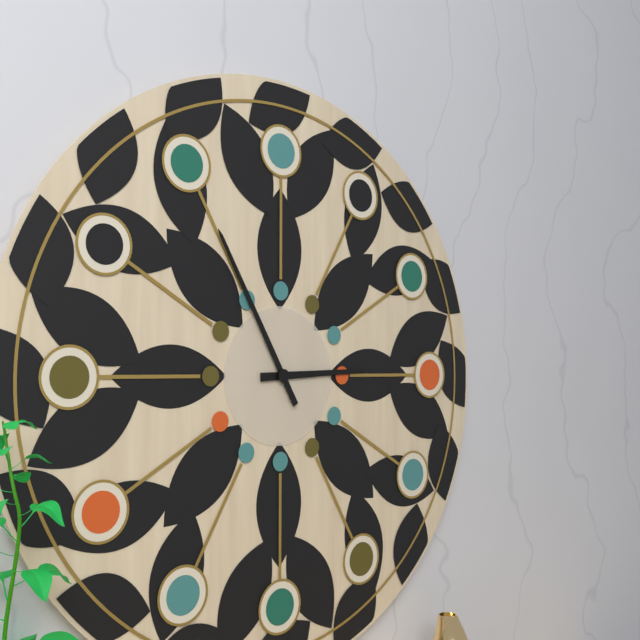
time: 2:55
